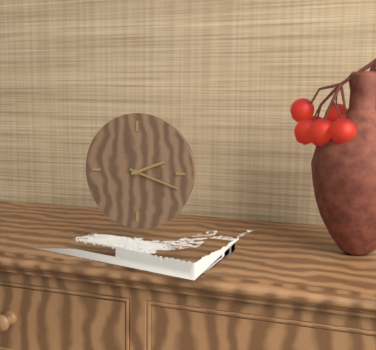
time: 2:18
